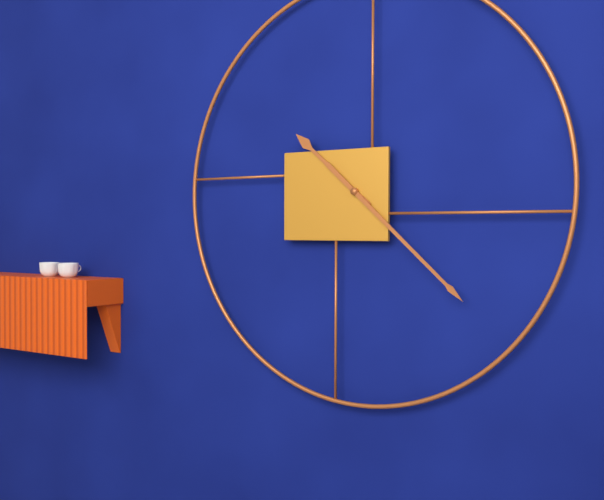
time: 10:22
